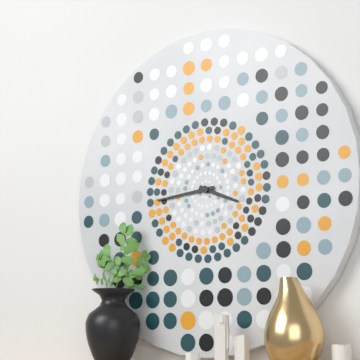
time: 3:44
